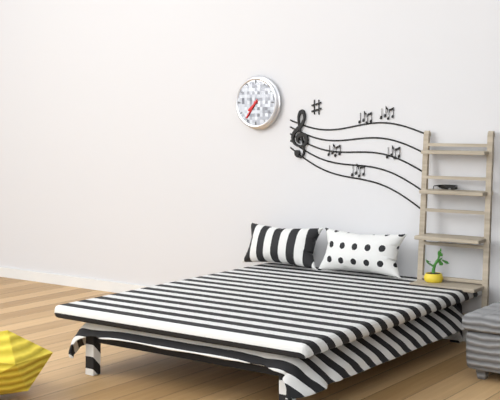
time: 7:36
